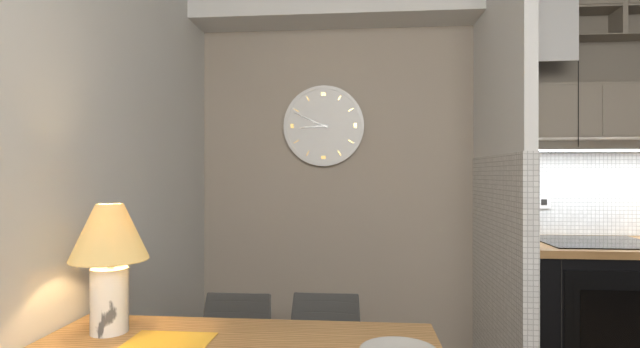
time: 8:49
